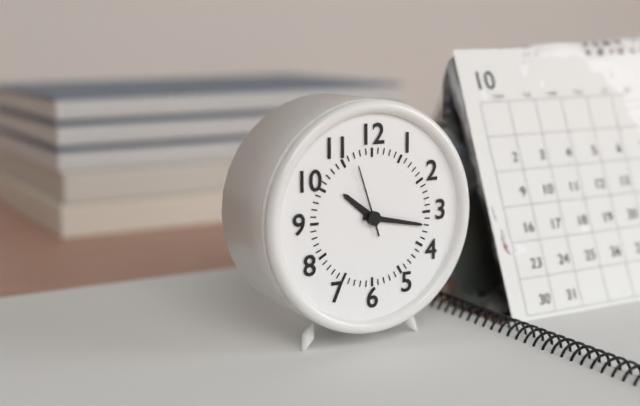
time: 10:17:57
